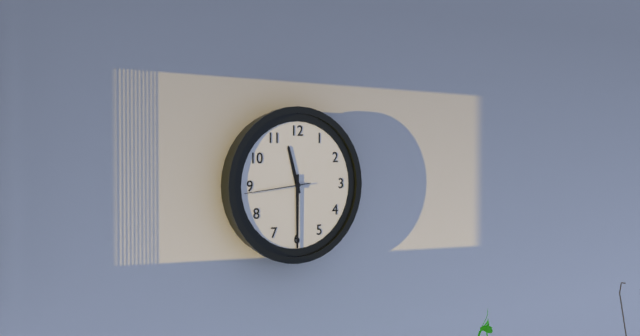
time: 11:30:44
